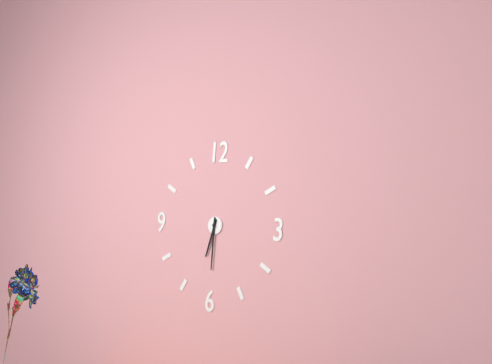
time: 6:30
